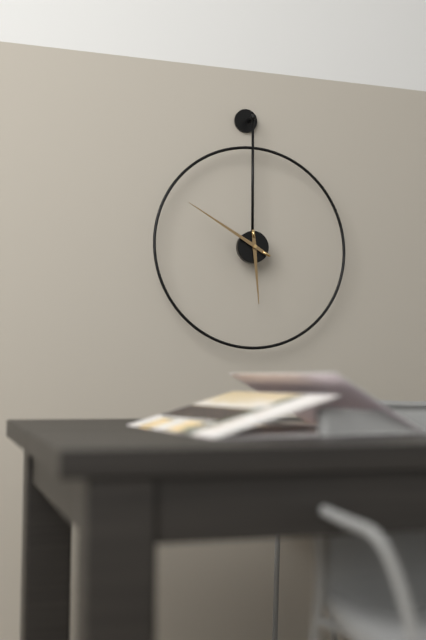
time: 5:50
